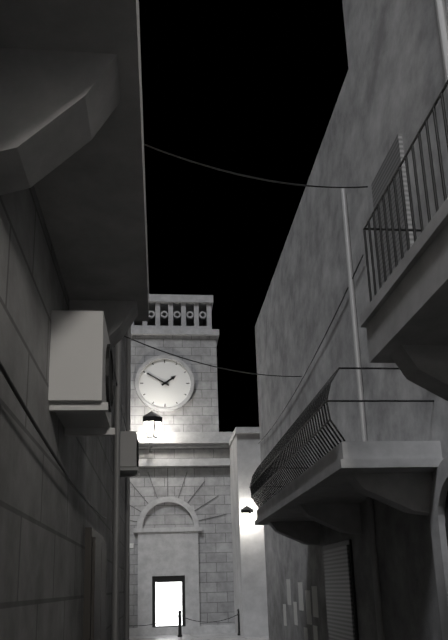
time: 1:50
